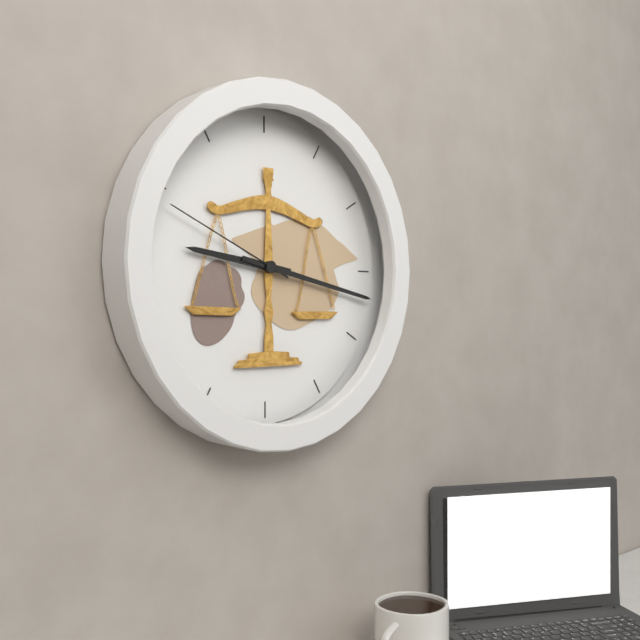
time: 9:17:49
